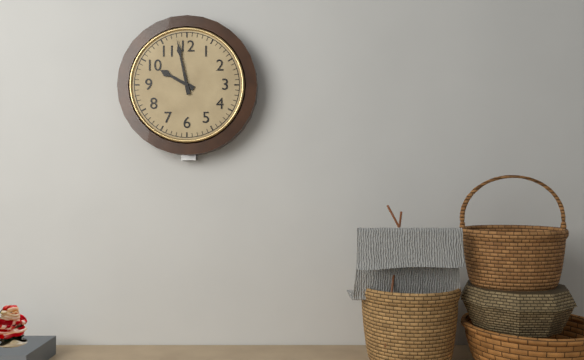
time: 9:58
